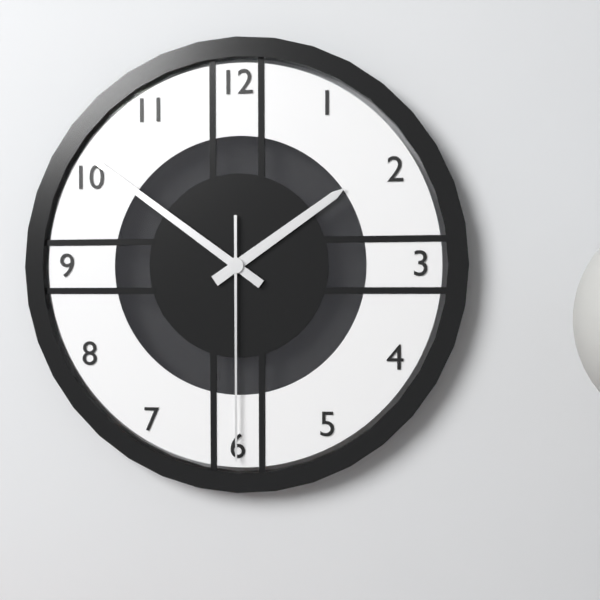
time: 1:51:30
